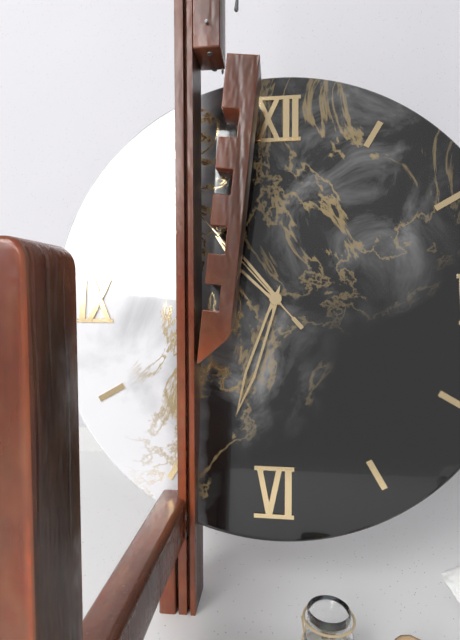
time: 10:33:53
